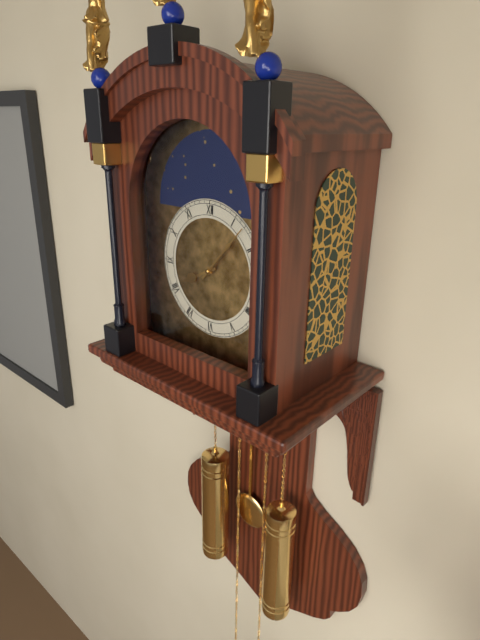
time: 8:07
